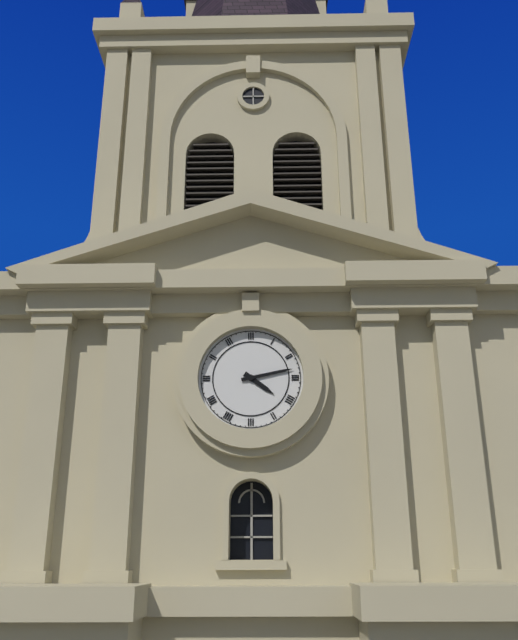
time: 4:13
